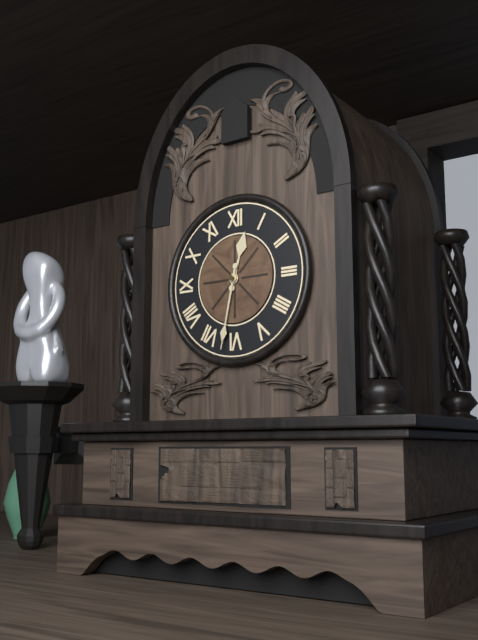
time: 12:32
